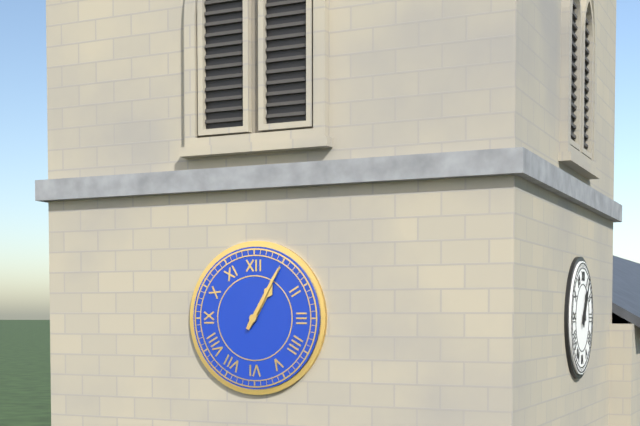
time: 1:05
